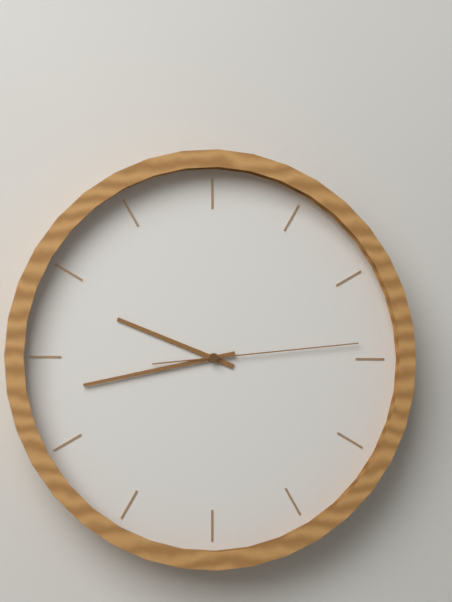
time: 9:43:14
